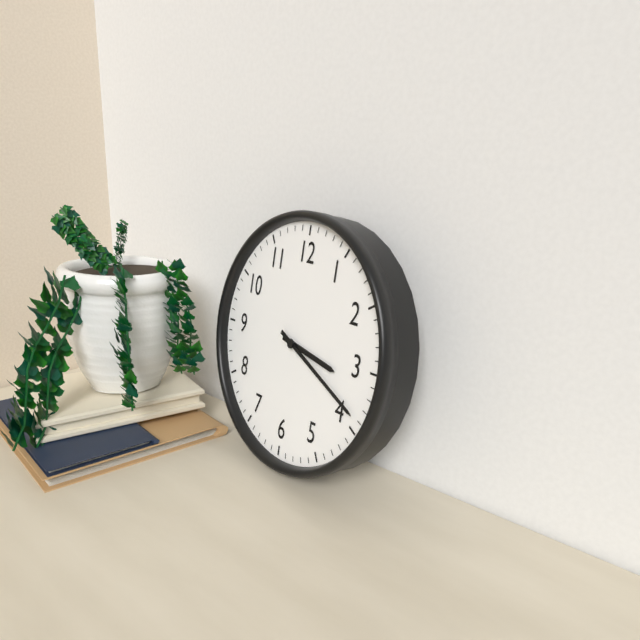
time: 3:19
